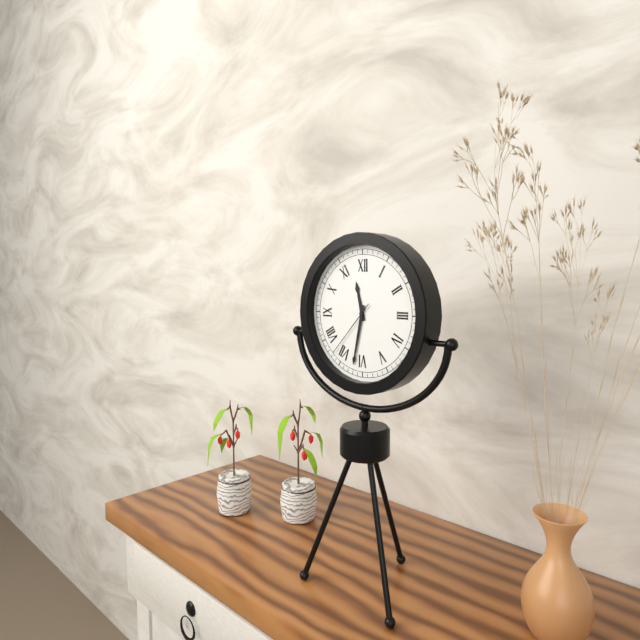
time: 11:32:37
